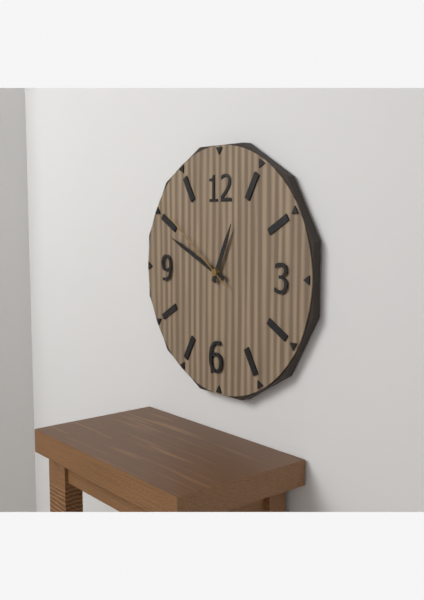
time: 12:49:51
